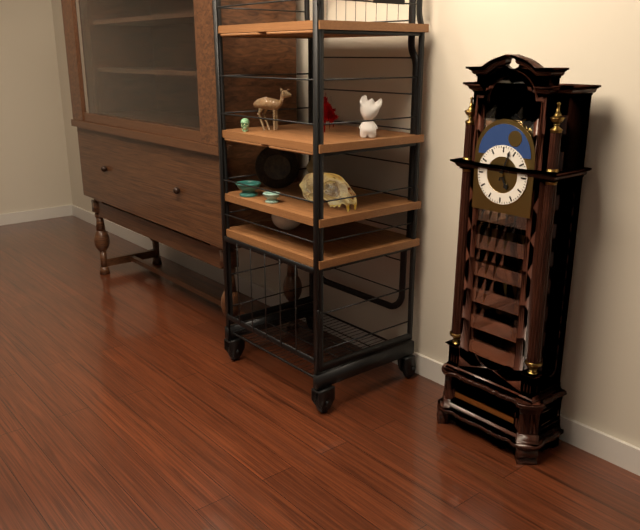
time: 5:03
